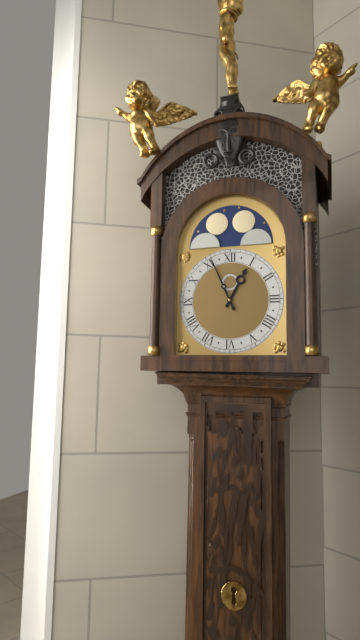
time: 12:56
